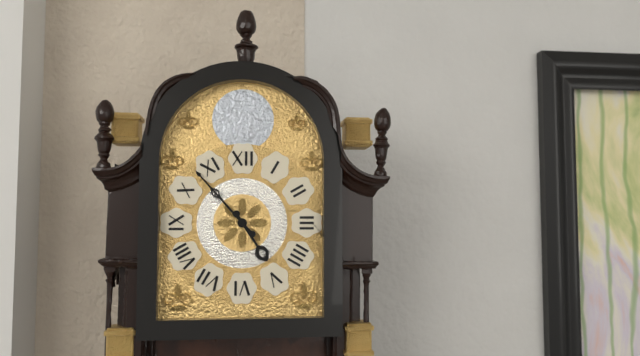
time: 4:53
